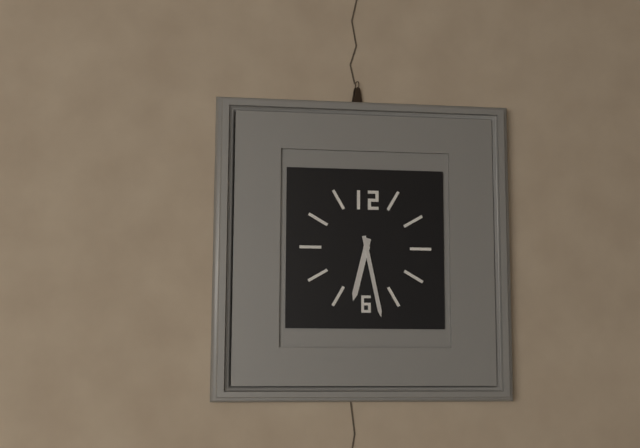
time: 6:28
